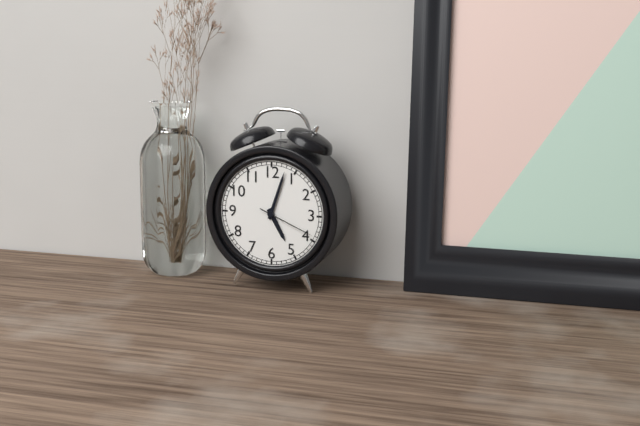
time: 5:03:19
